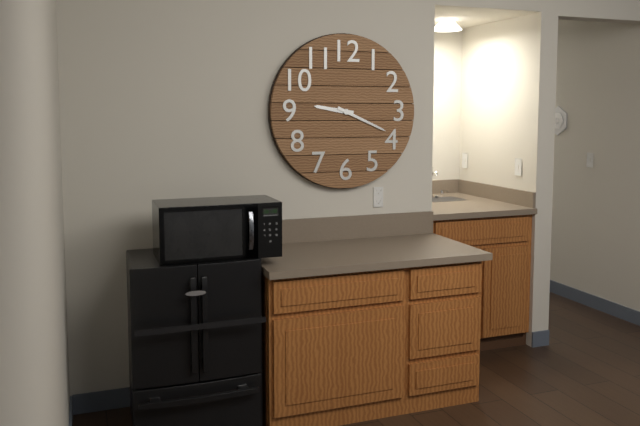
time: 9:19
